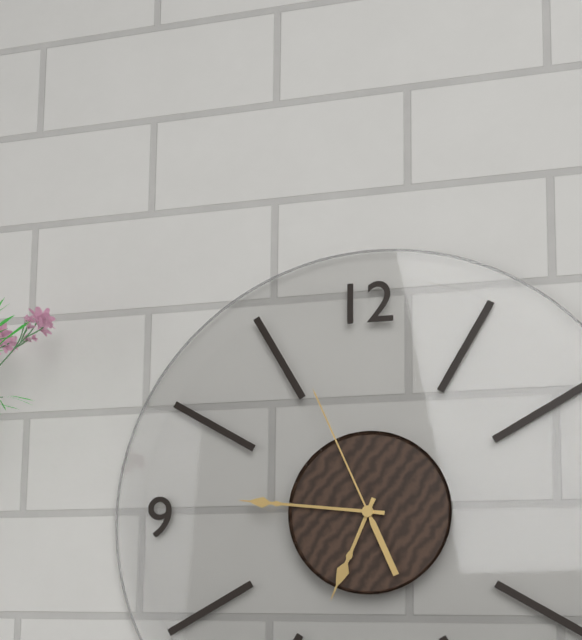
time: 6:46:56
